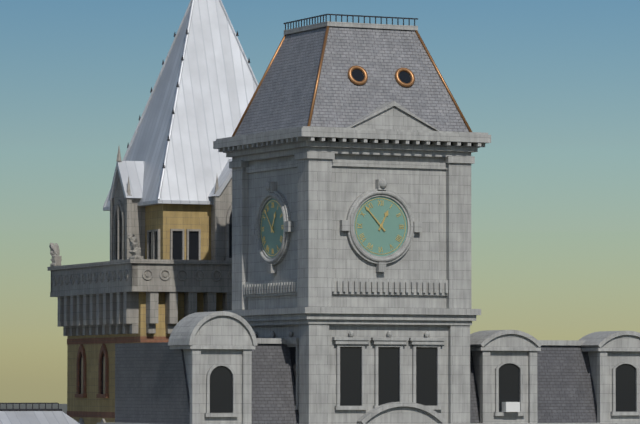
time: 12:53
